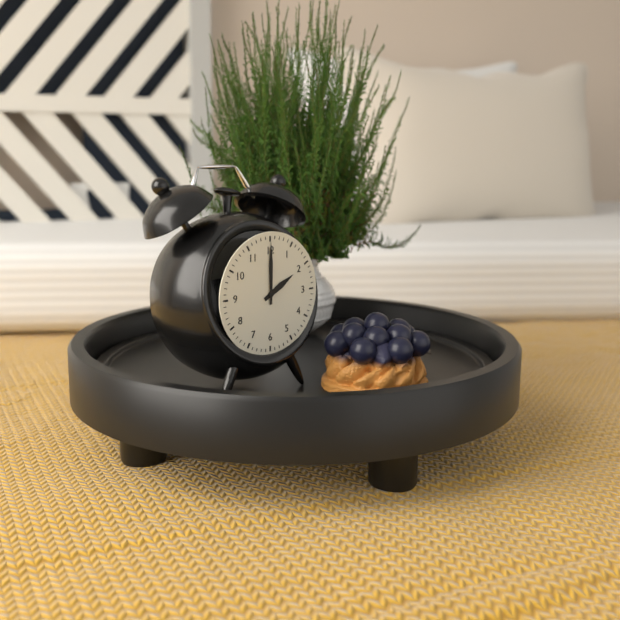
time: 2:00
